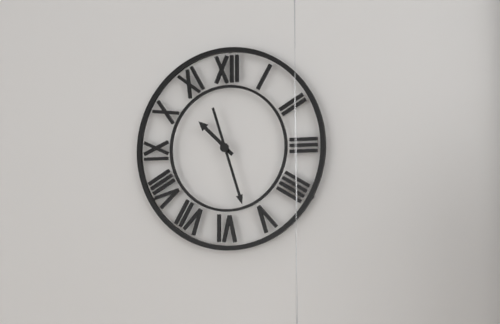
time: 10:27
